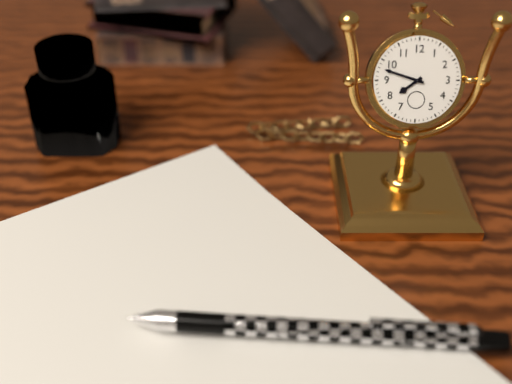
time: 7:48
